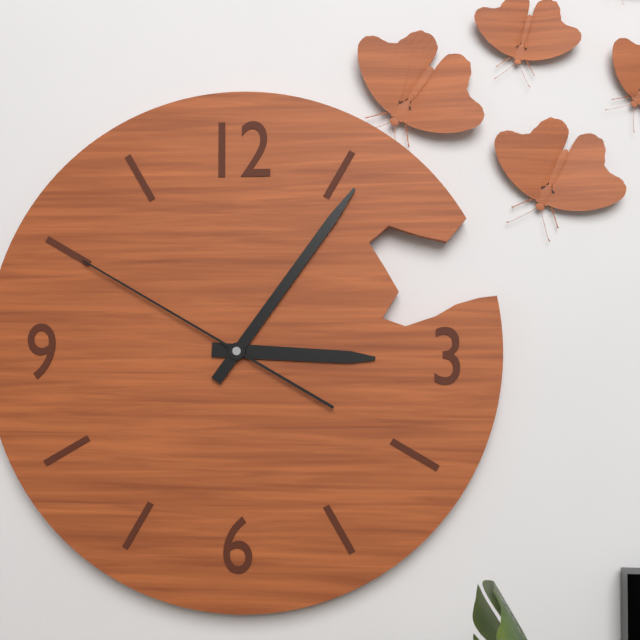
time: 3:06:50
